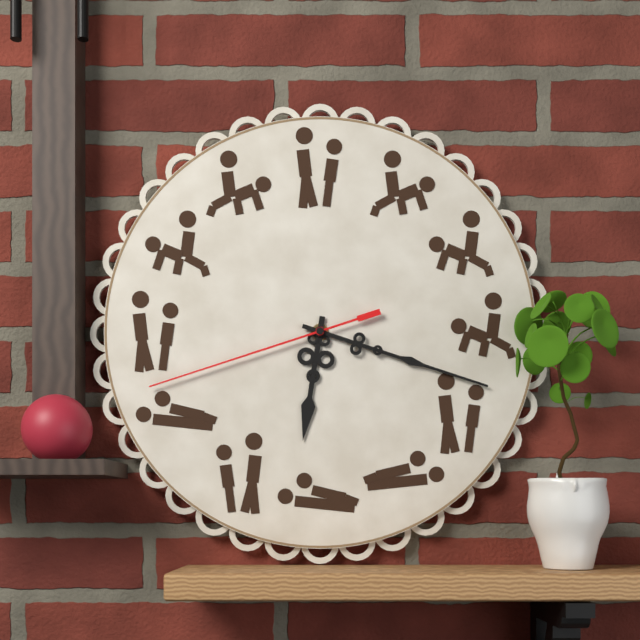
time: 6:18:42
